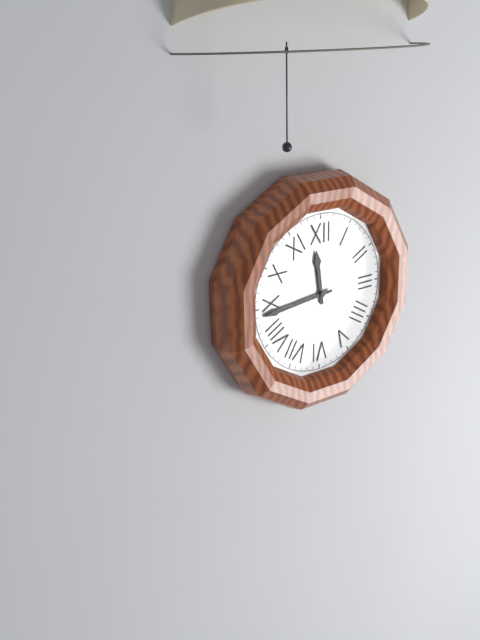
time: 11:44
